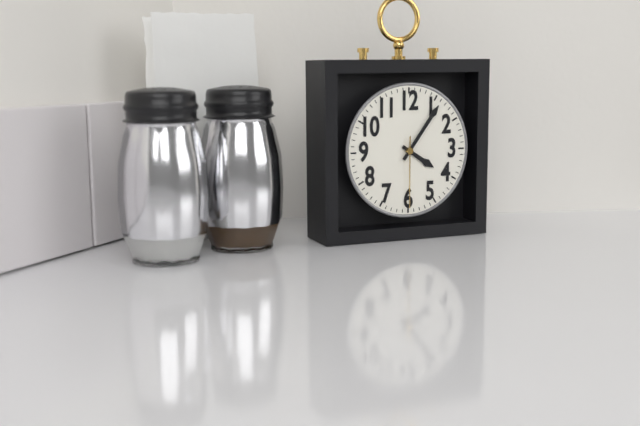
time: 4:06:30
